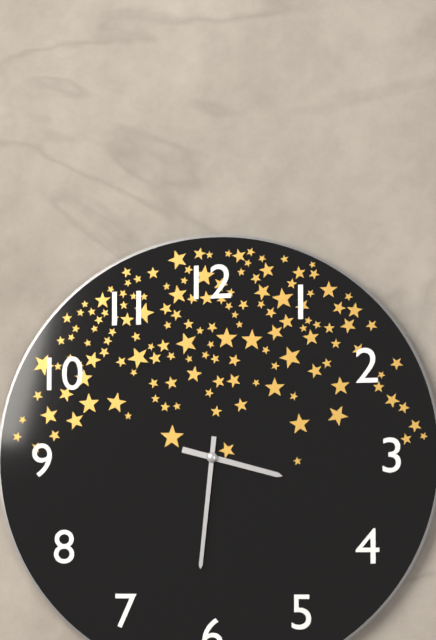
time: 3:31
